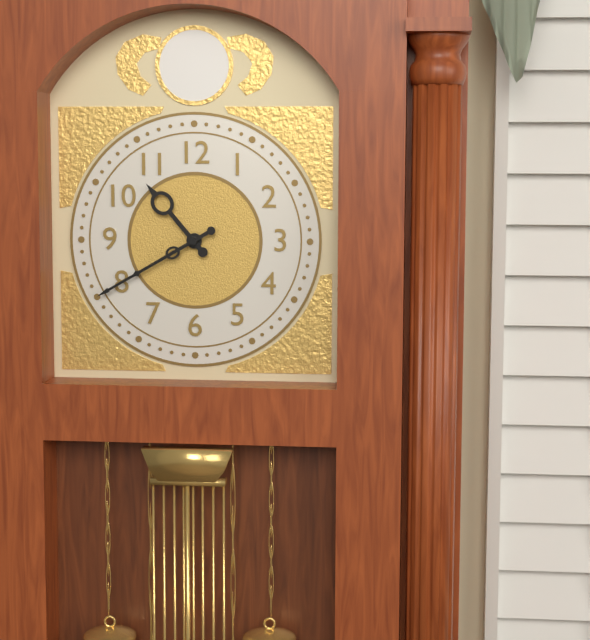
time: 10:40
